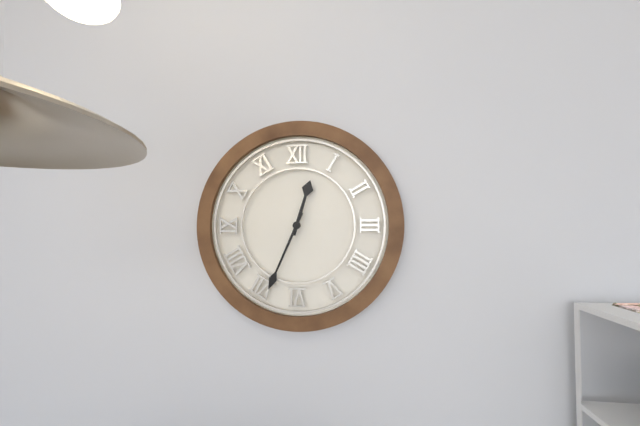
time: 12:34
